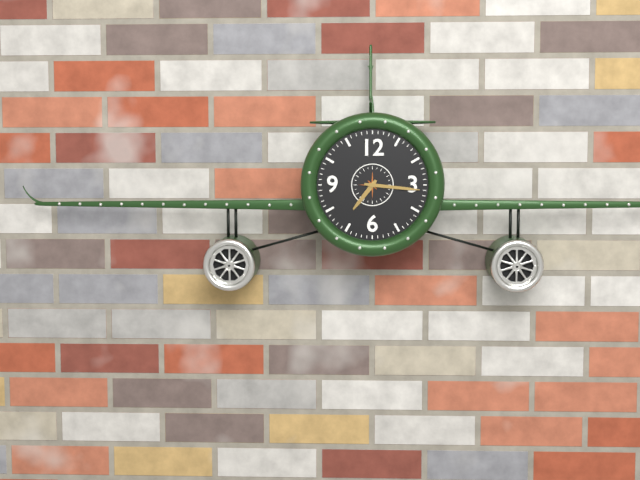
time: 7:16
